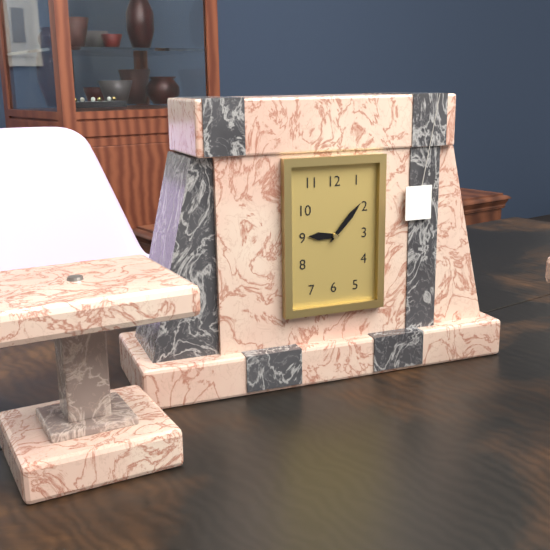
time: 9:07
